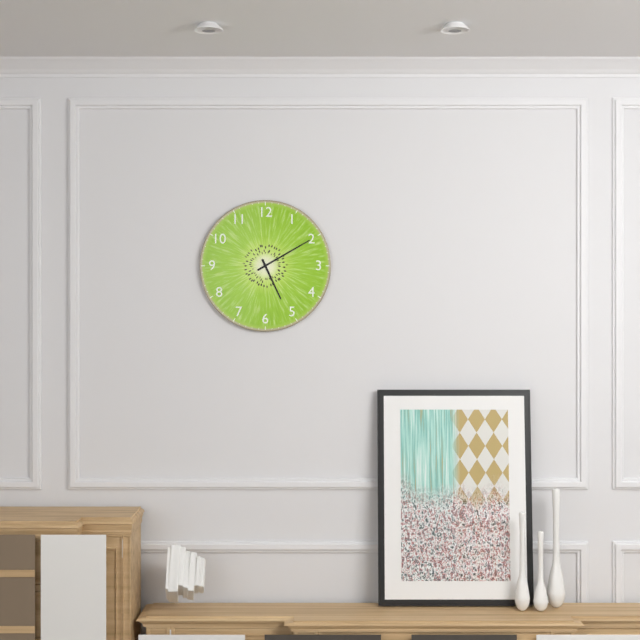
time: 5:10
